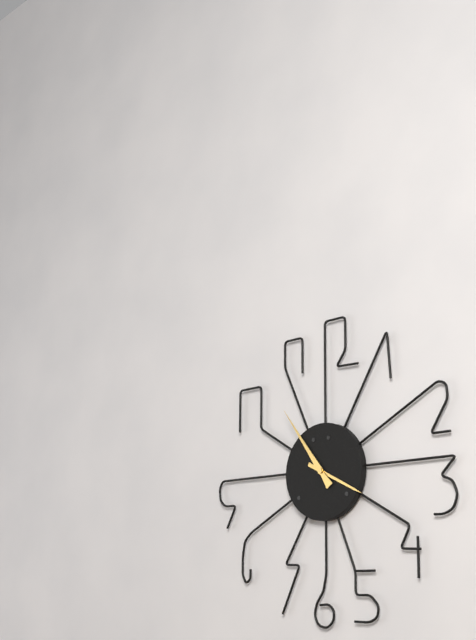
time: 3:54
